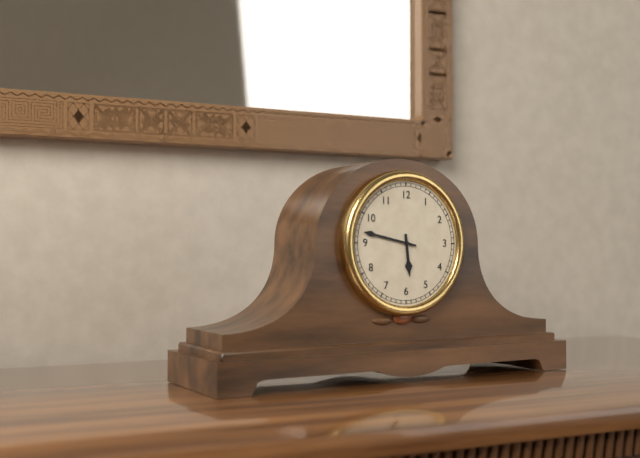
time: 5:47
